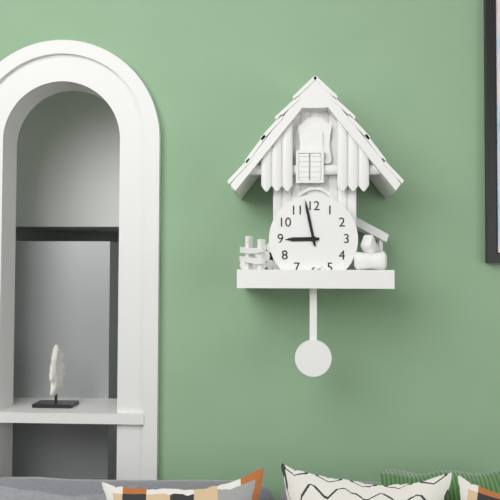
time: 8:58
